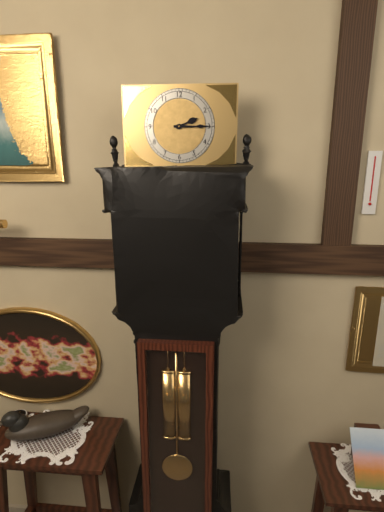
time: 2:15
